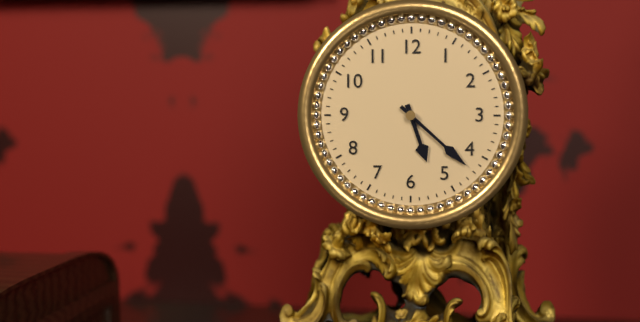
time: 5:22
